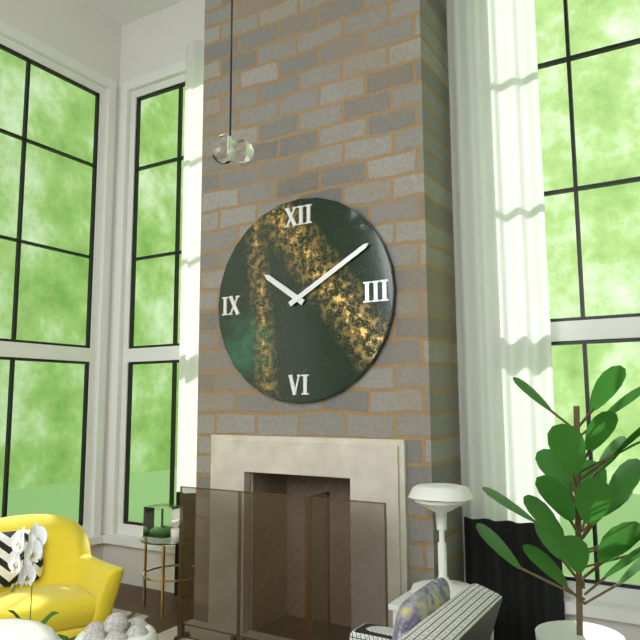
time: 10:10
